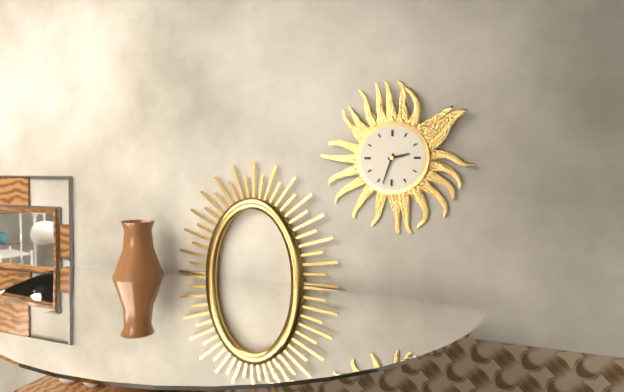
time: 2:33
